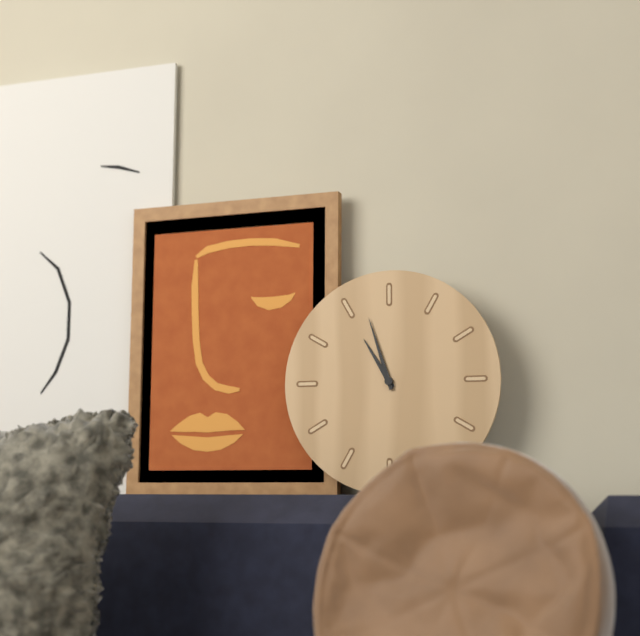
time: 10:57
